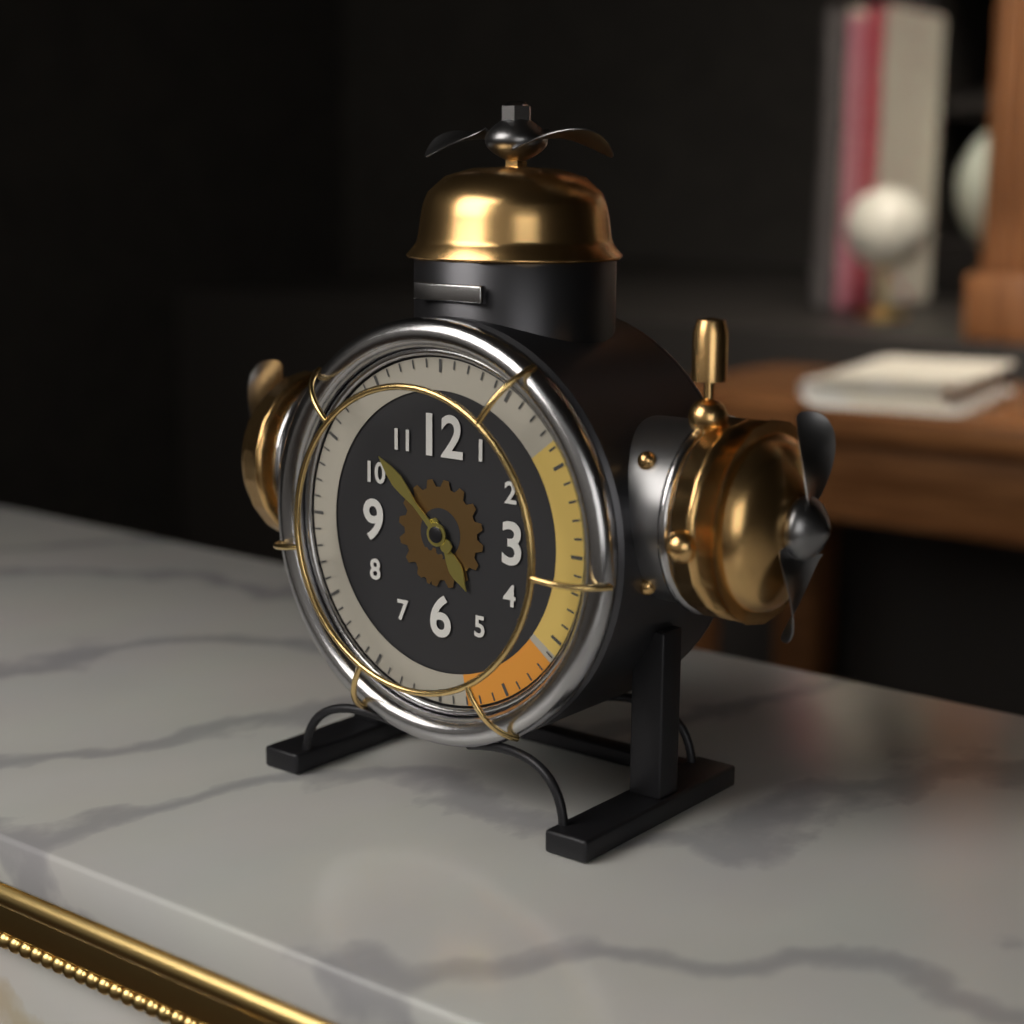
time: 4:52
